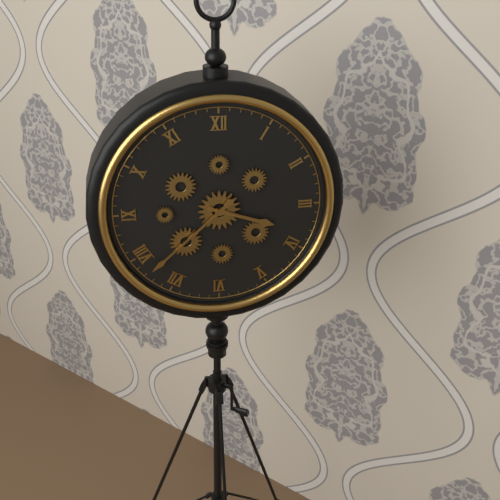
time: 3:38
